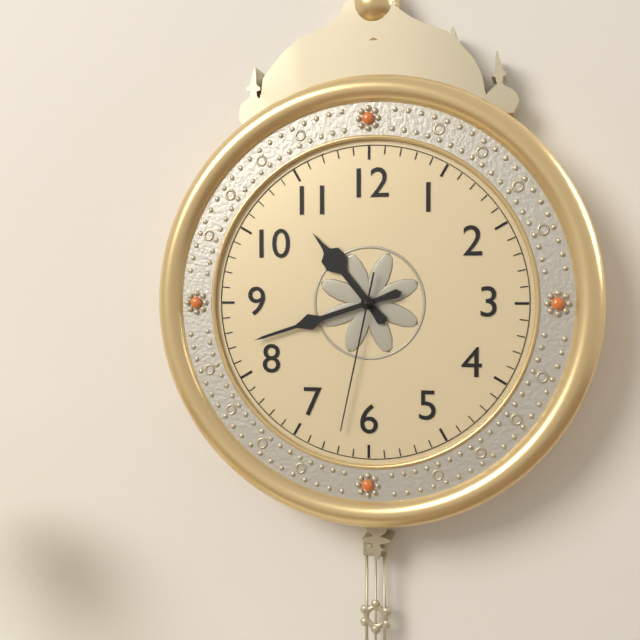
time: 10:42:32
